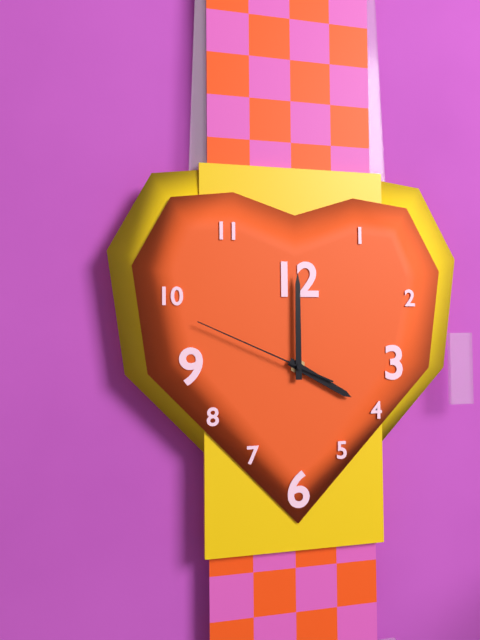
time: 4:00:49
